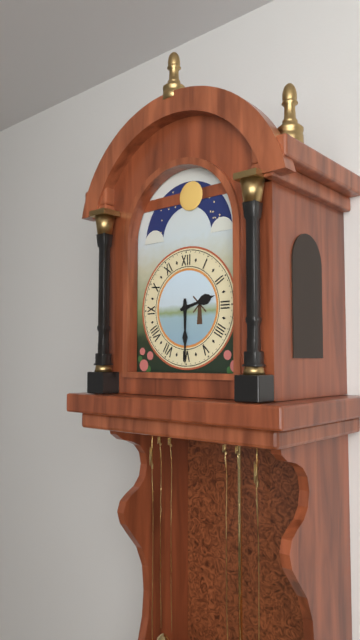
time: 2:30
